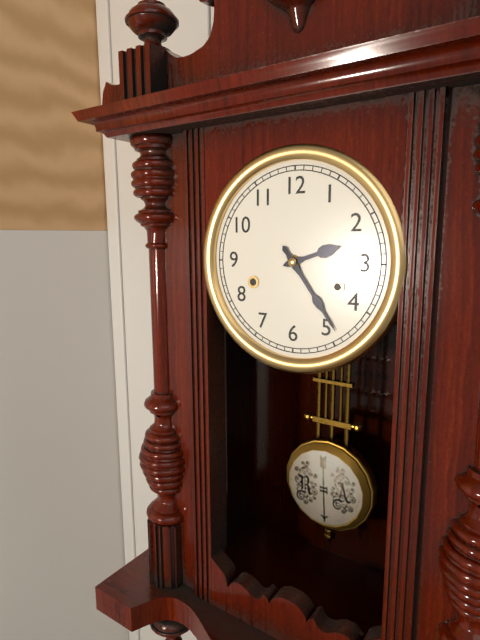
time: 2:24
